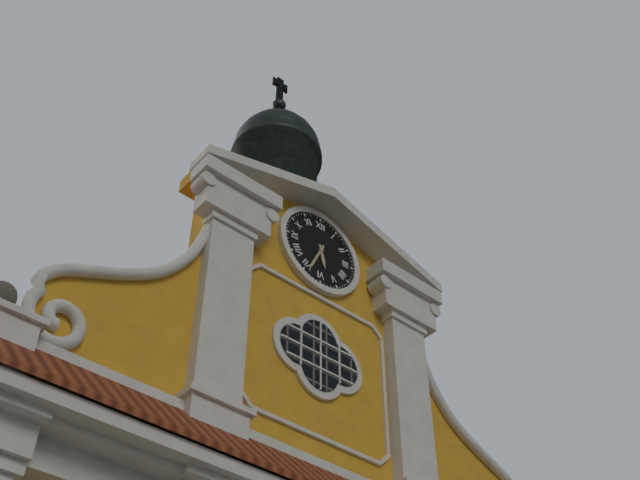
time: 5:34
